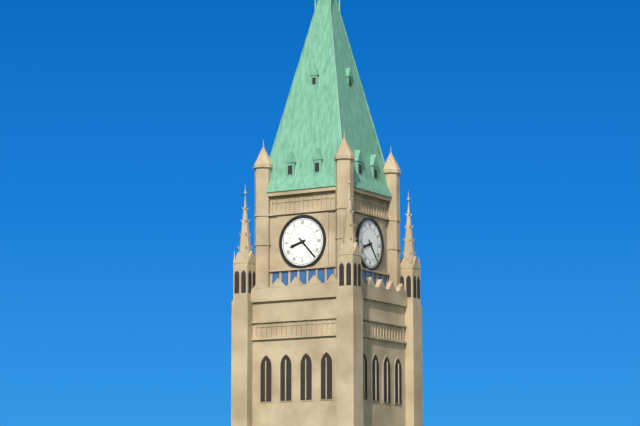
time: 8:23
